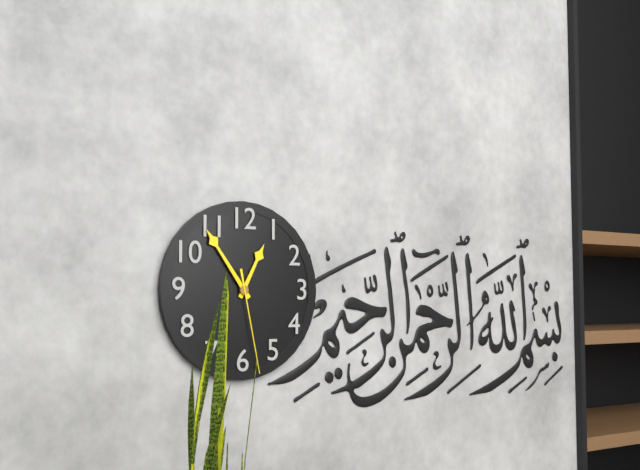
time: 12:54:28
